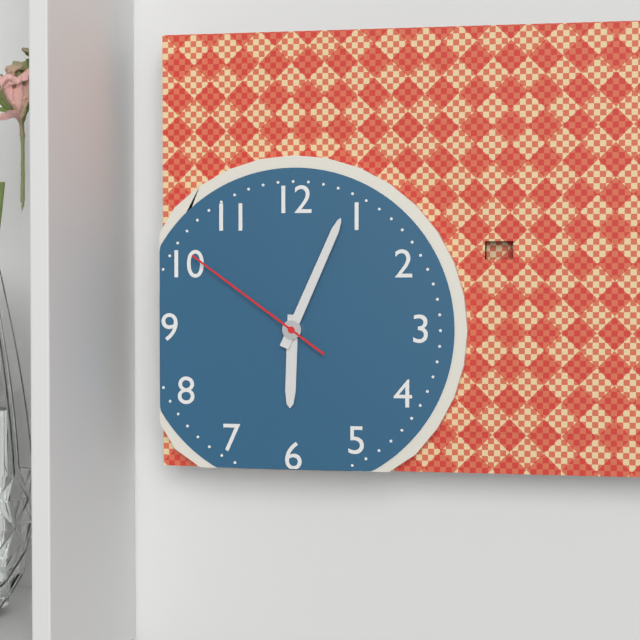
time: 6:04:51
